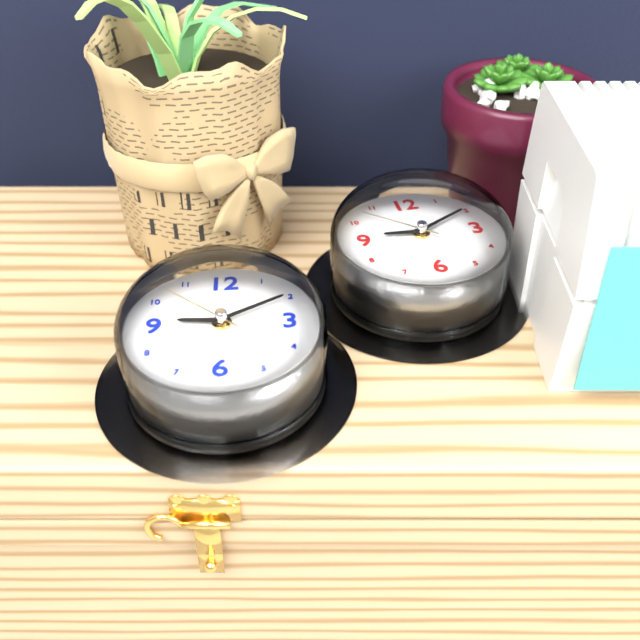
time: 9:10:52
